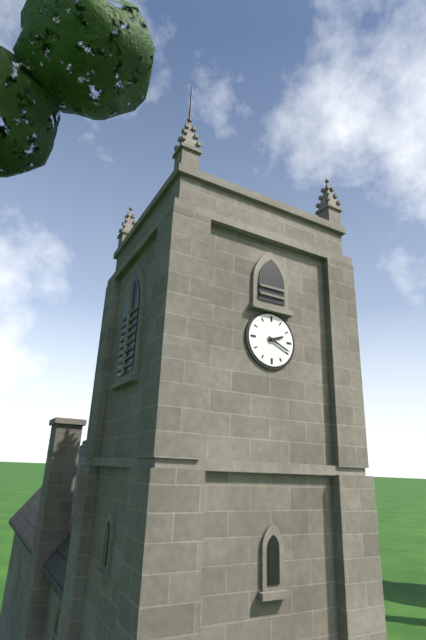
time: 2:19
